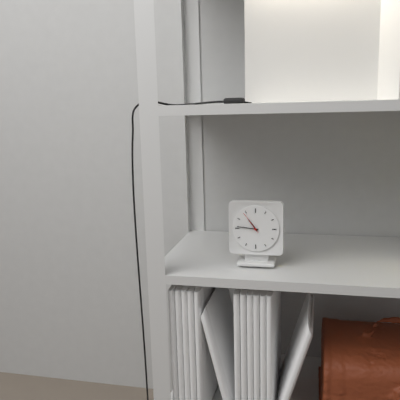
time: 10:46
